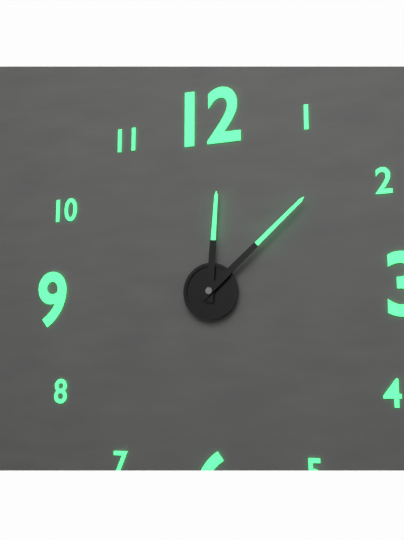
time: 12:08
